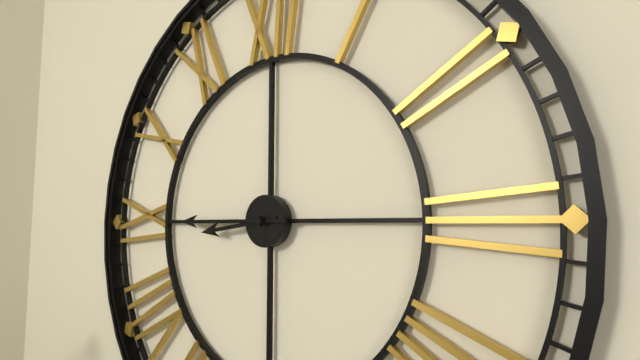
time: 8:45
